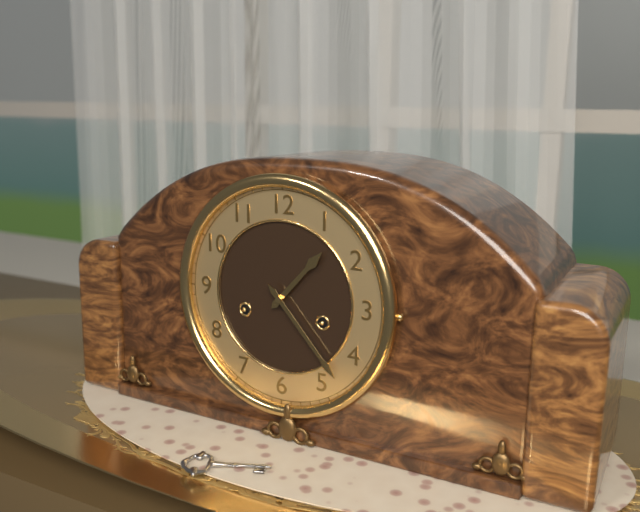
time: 1:23
